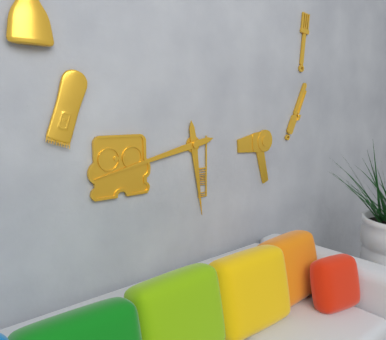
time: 5:43
